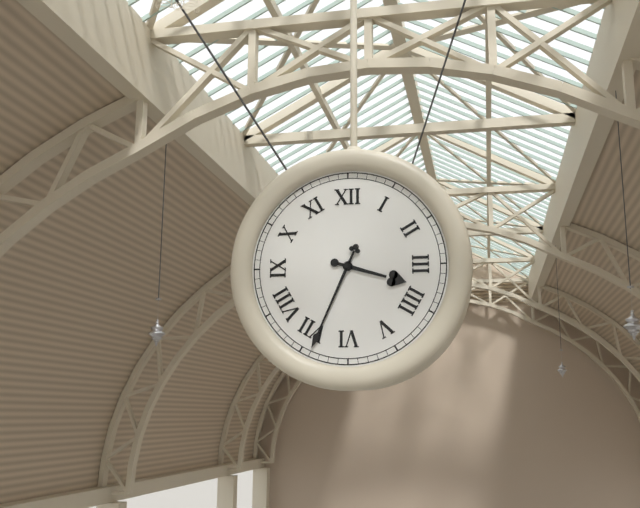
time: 3:34
